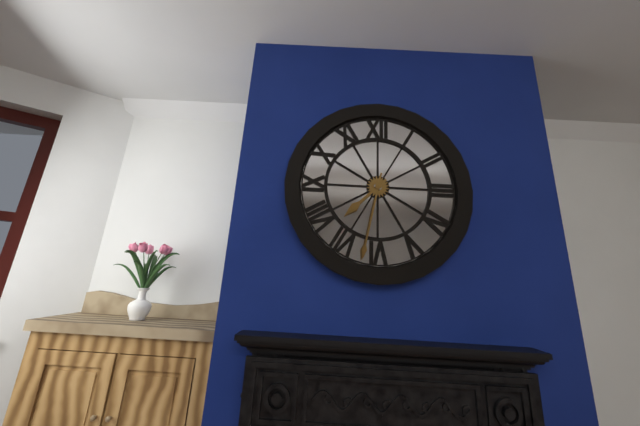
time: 7:32
